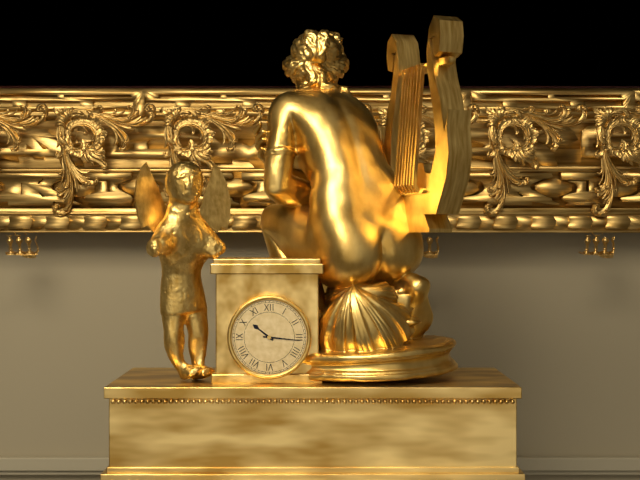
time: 10:16
